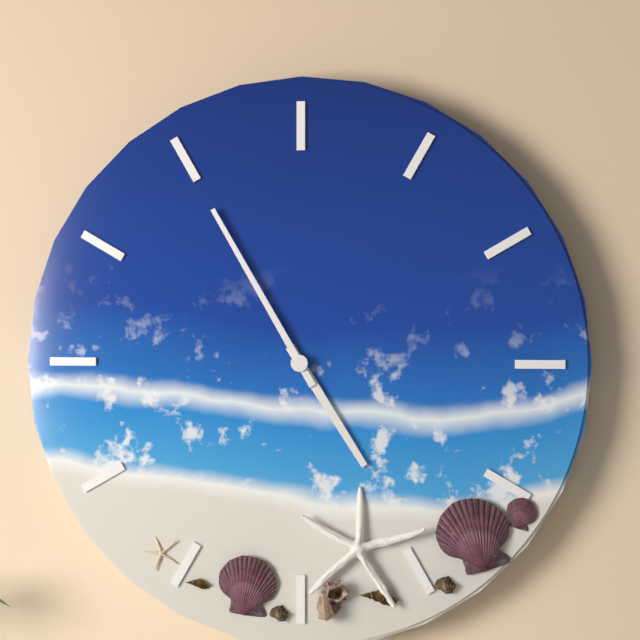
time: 4:55
